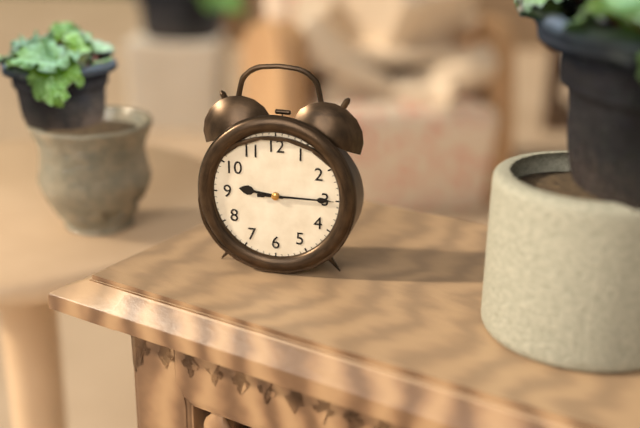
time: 9:15:15
